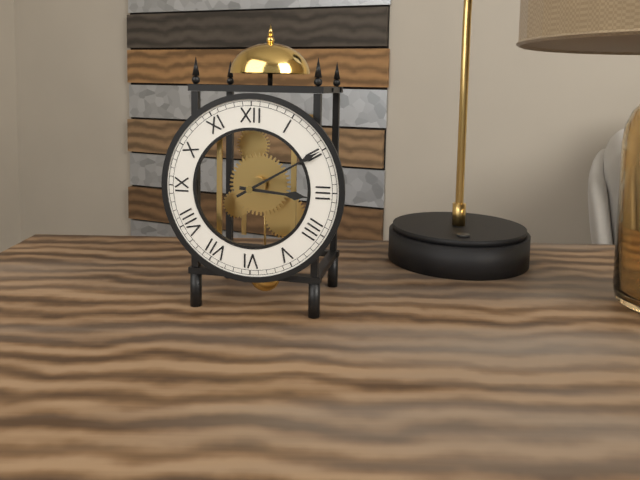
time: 3:10
